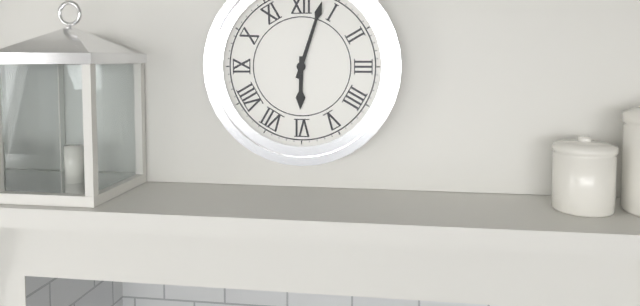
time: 6:03
